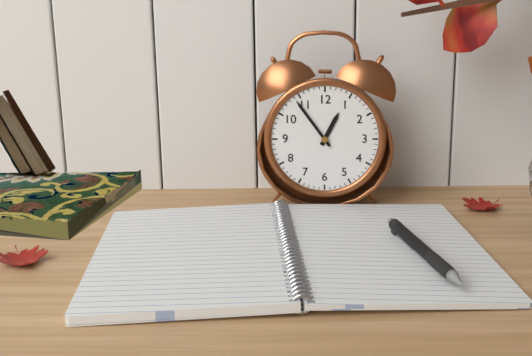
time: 12:54
